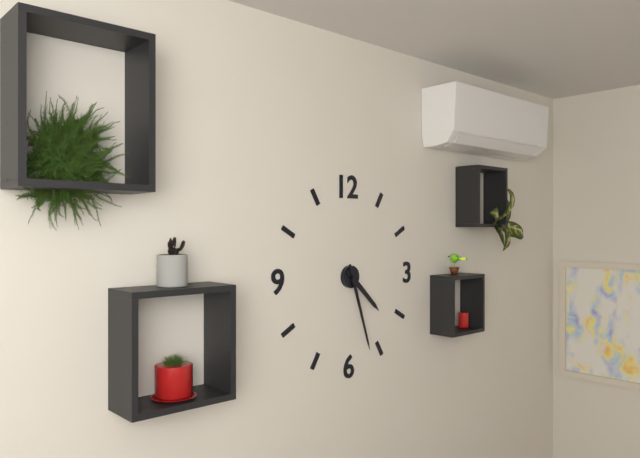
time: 4:27
